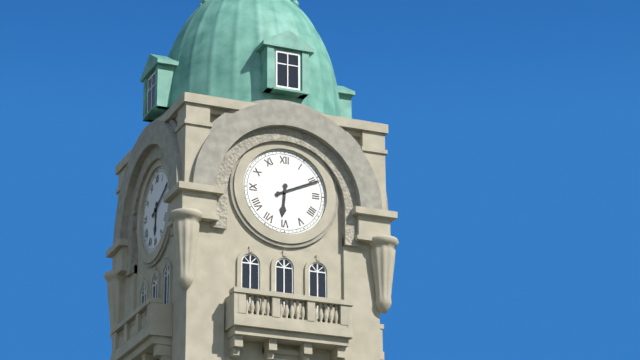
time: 6:11
